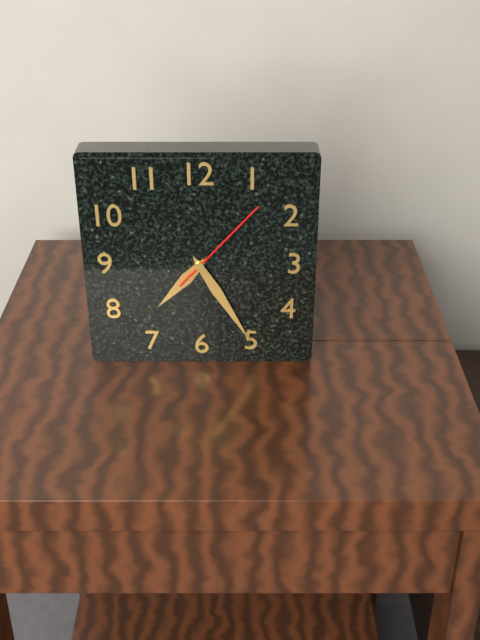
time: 7:25:07
